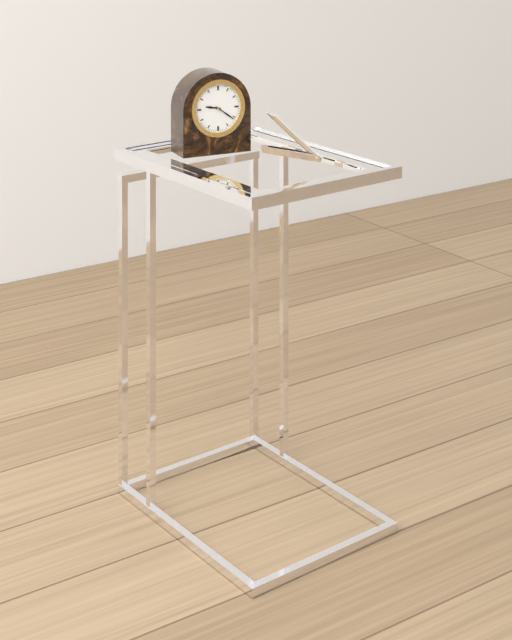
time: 9:21
